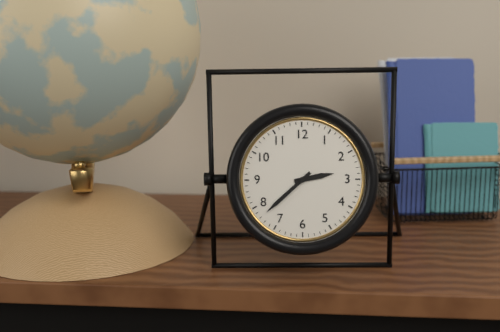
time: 2:38
